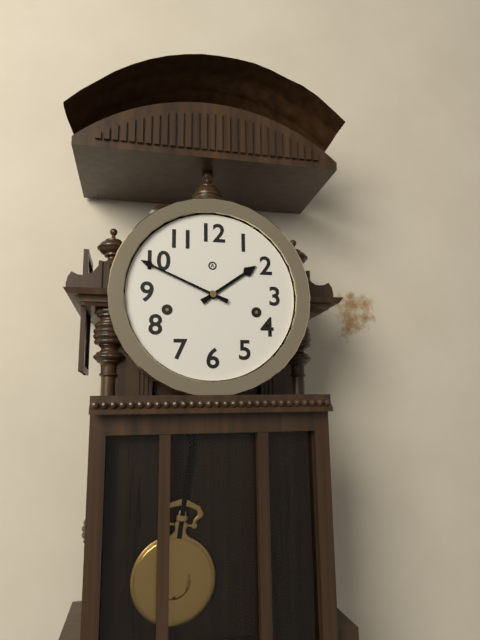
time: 1:49
